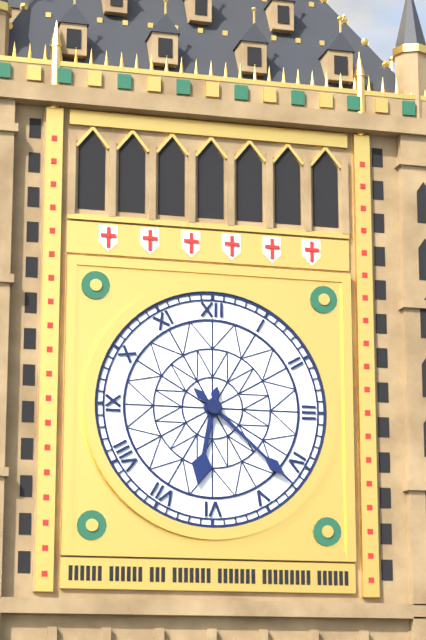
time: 6:22
